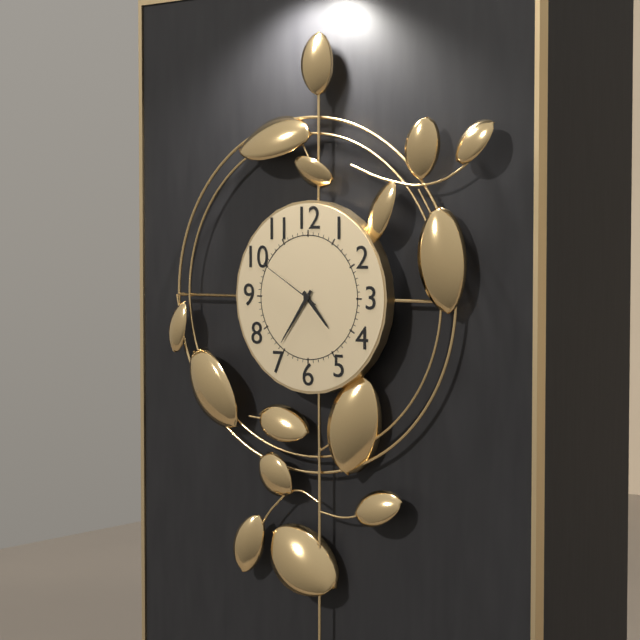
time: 4:36:50
